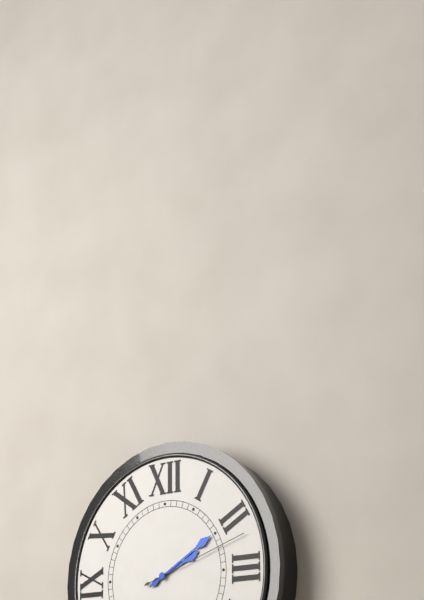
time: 2:10:12
